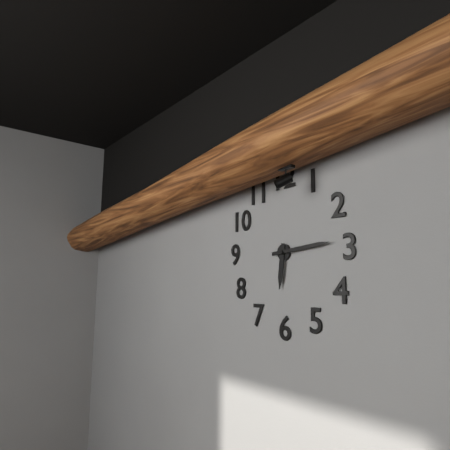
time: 6:14
